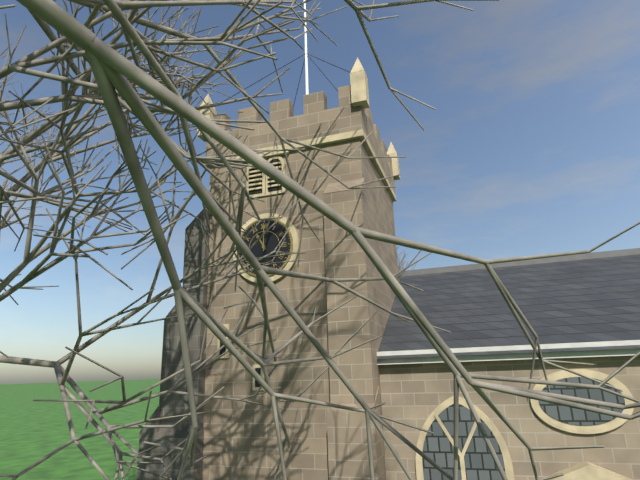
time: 11:00
